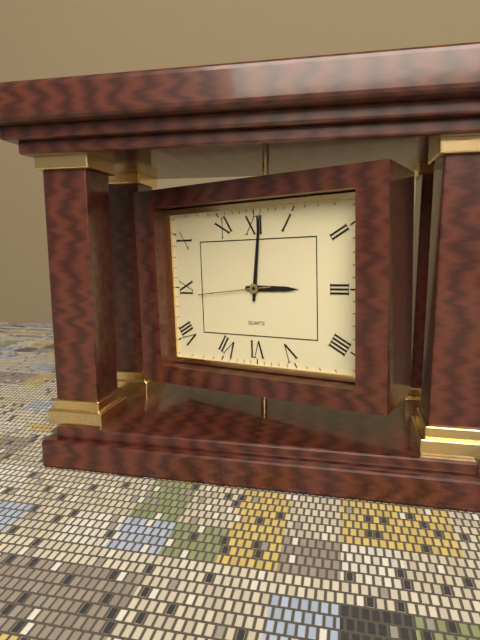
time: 3:01:44
